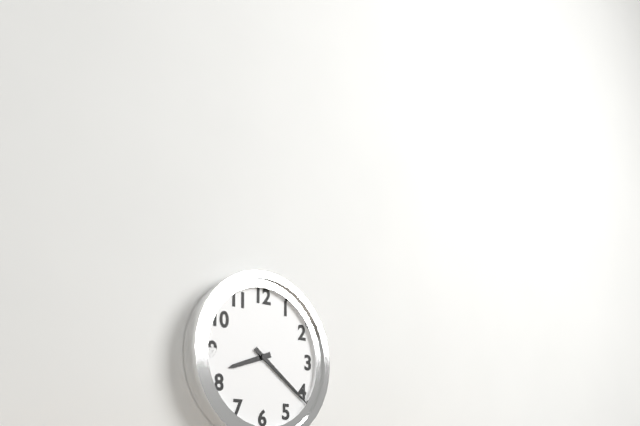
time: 8:21
